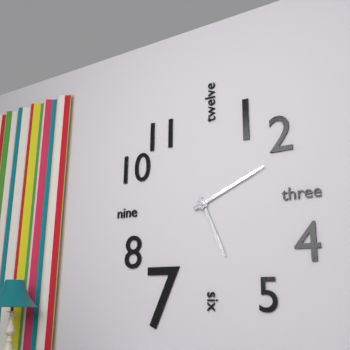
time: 5:11
